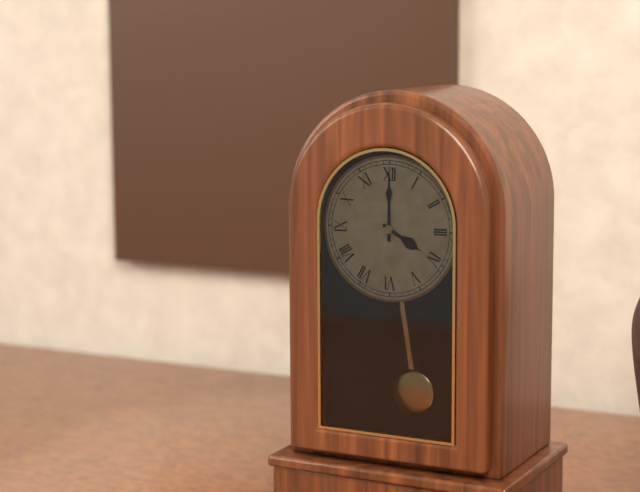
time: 4:00
